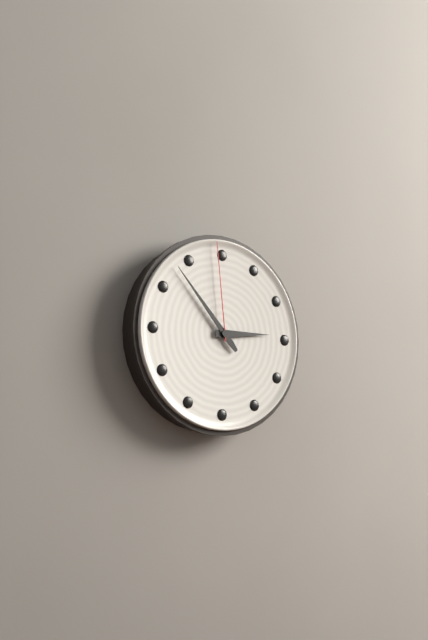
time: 2:53:59
